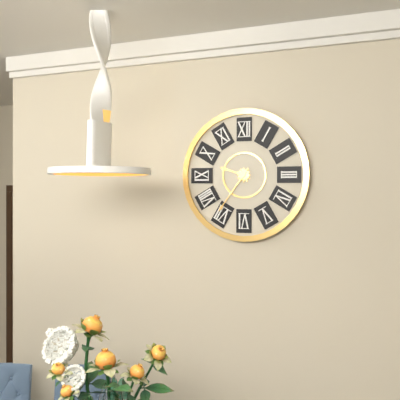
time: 9:36
